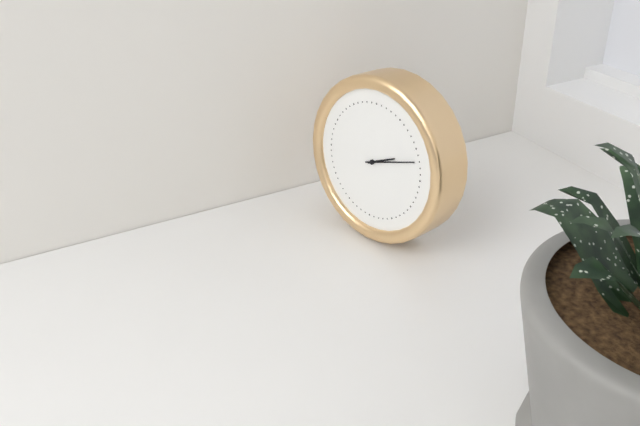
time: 2:12
